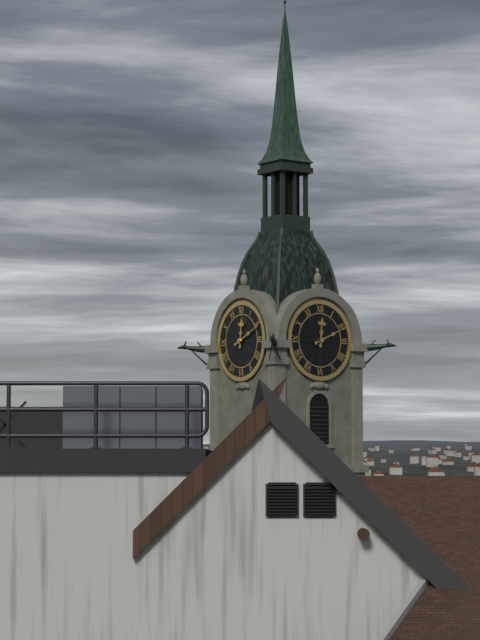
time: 12:11
